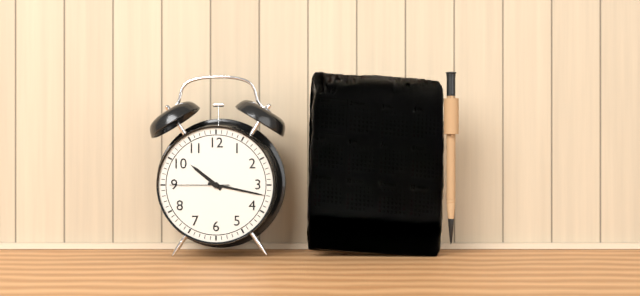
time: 10:17:45
